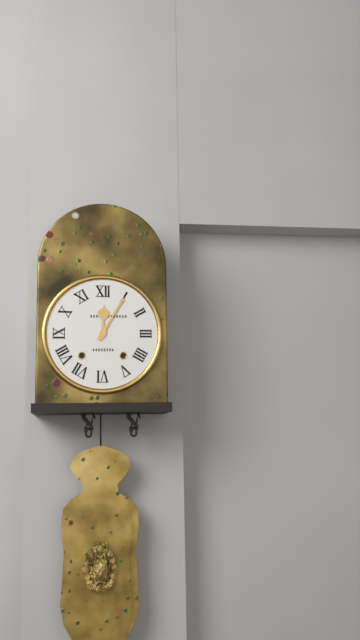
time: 12:05
